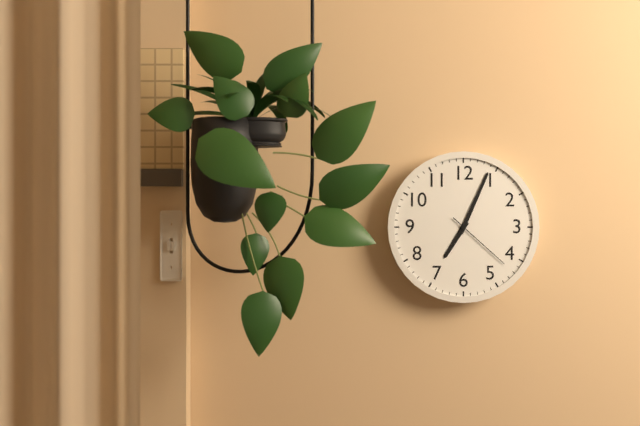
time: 7:04:22
